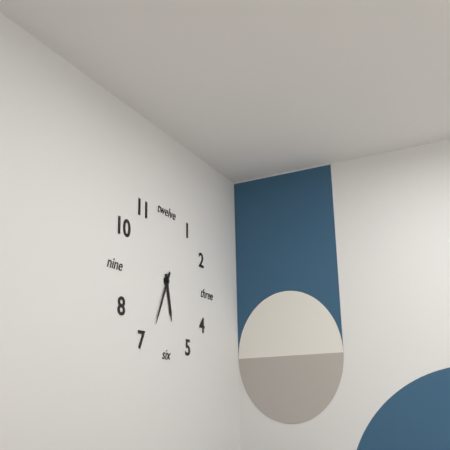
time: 5:34
